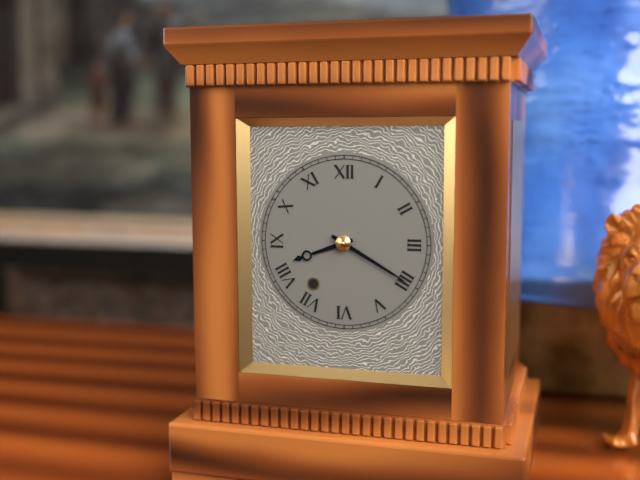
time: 8:20
